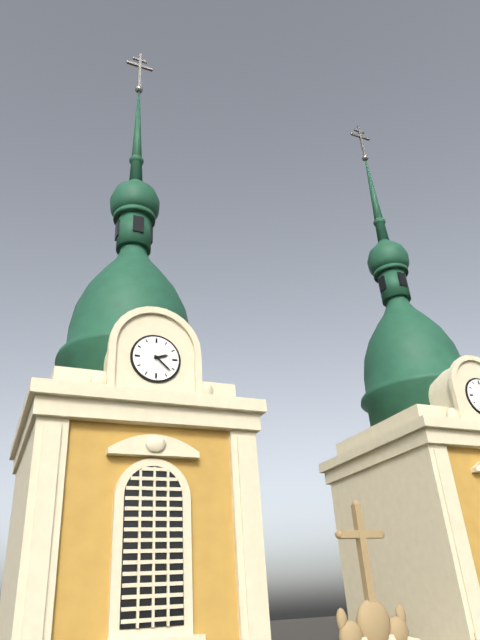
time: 2:22
